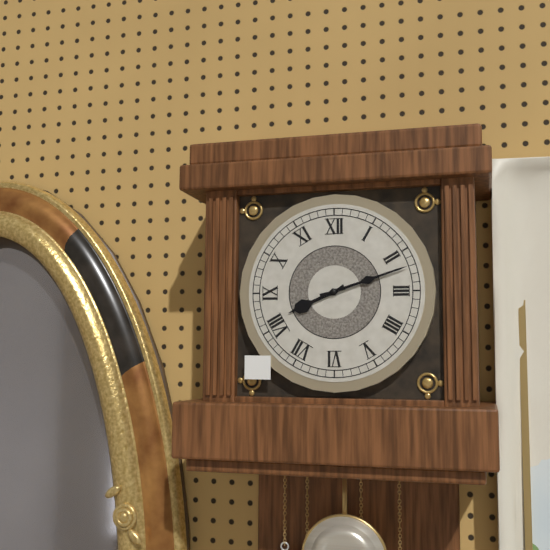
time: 8:12
